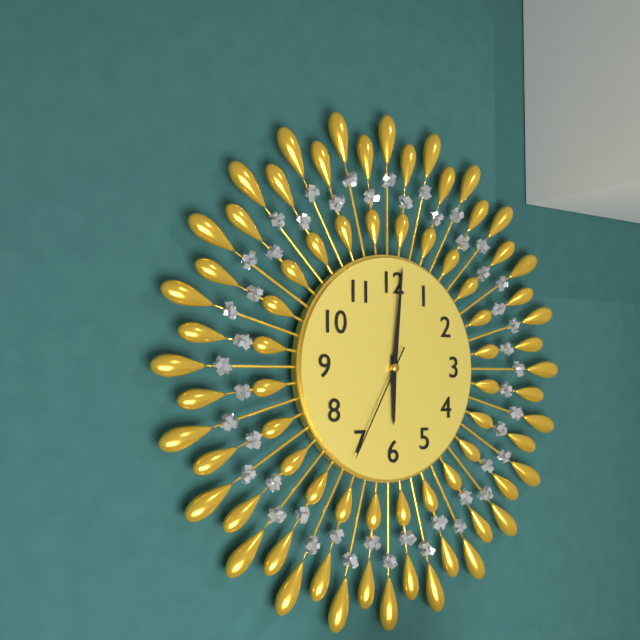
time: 6:01:35
